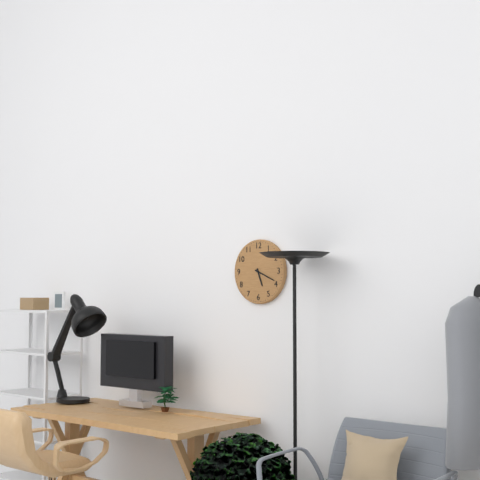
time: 5:19
